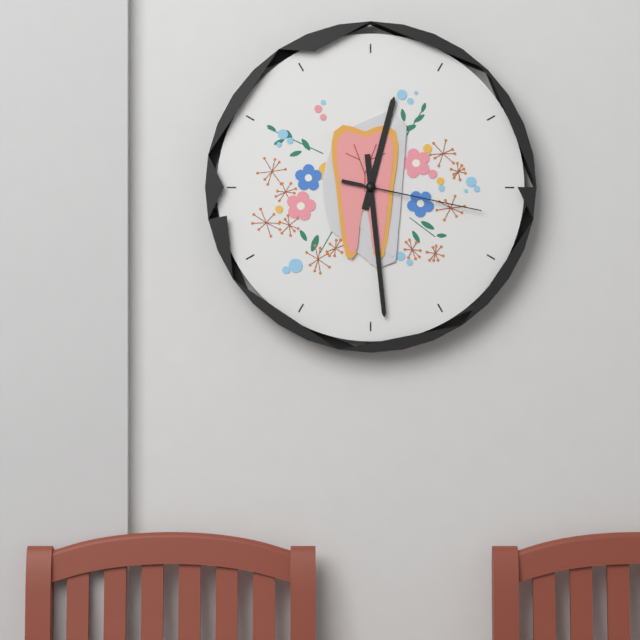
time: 12:29:17
